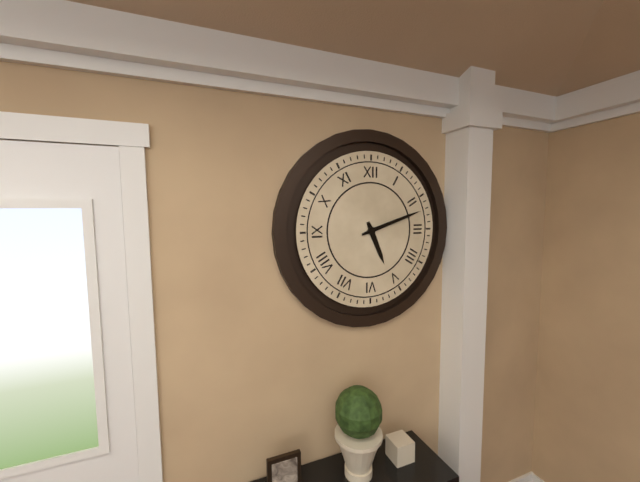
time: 5:12
